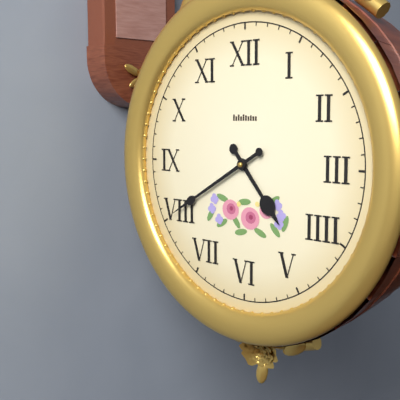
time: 4:40
